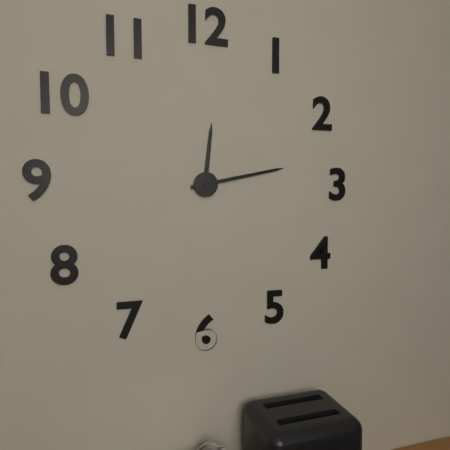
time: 12:13
